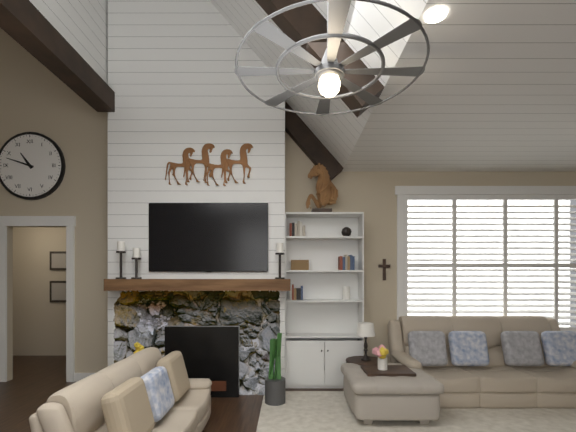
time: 10:48
